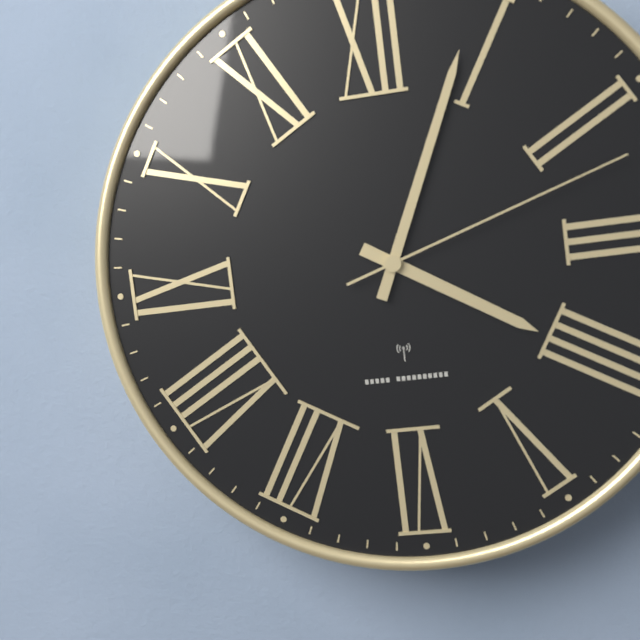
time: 4:04:12
